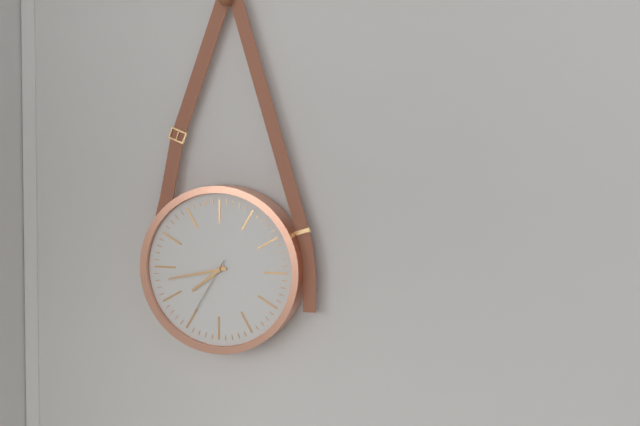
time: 7:43:35
